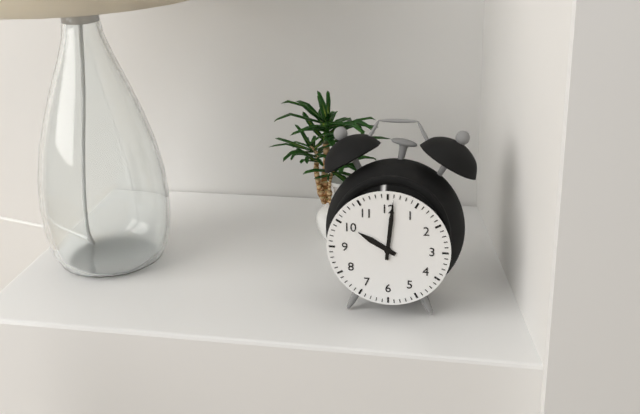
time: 10:01
